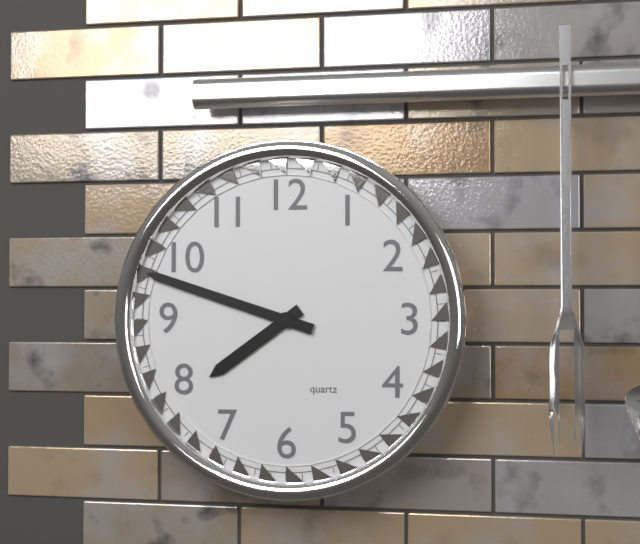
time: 7:48
